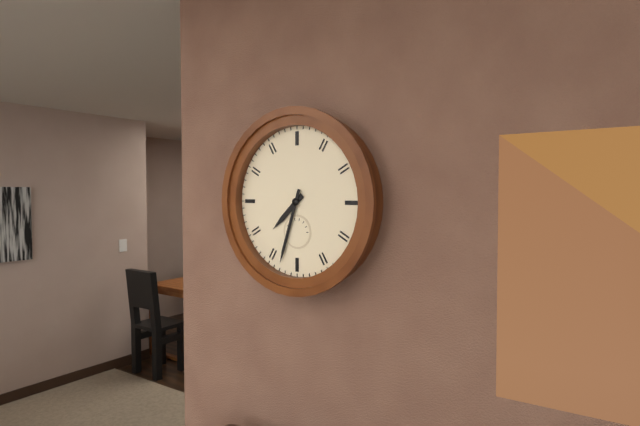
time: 7:33
